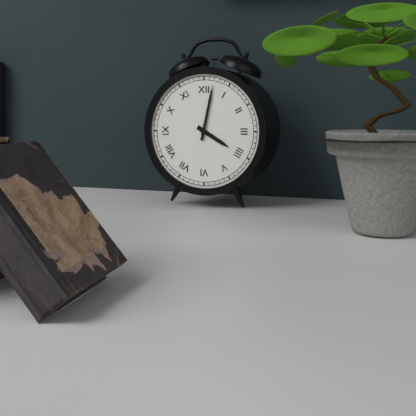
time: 4:02
